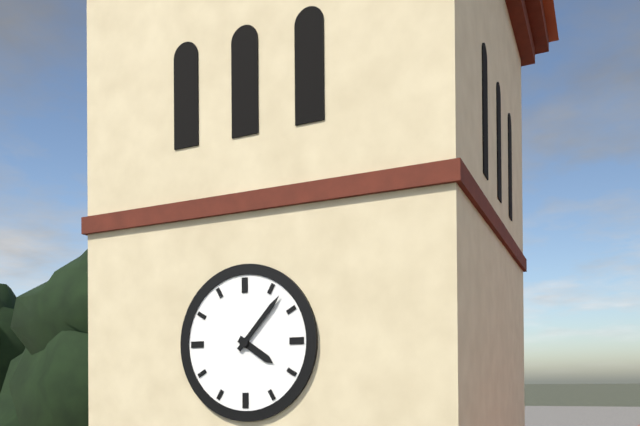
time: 4:07
